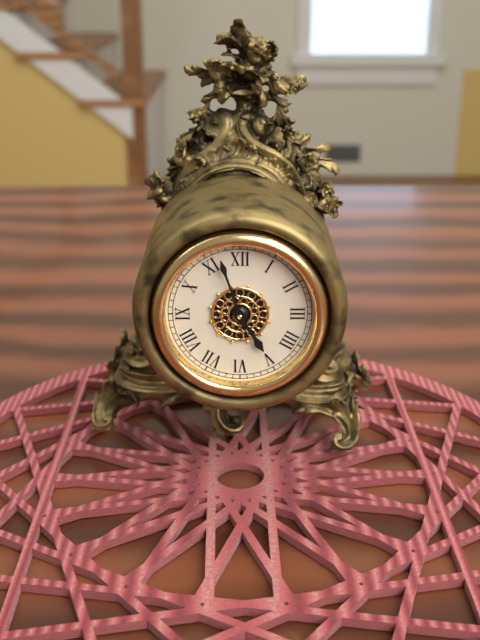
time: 4:57
